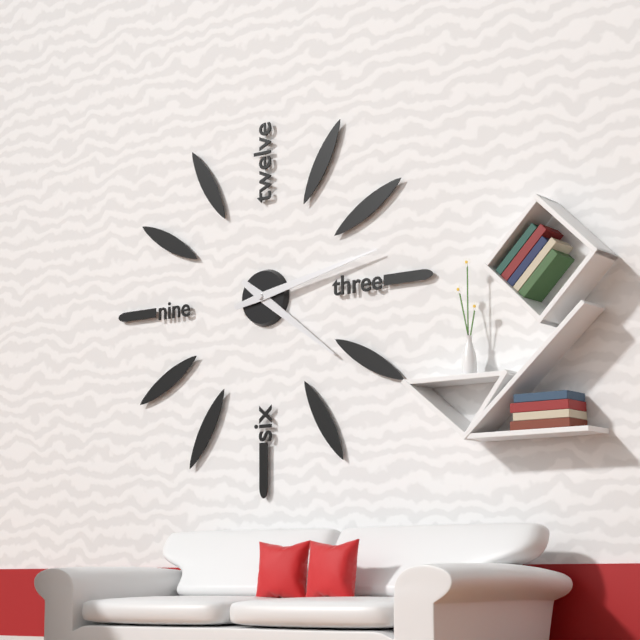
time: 4:13
